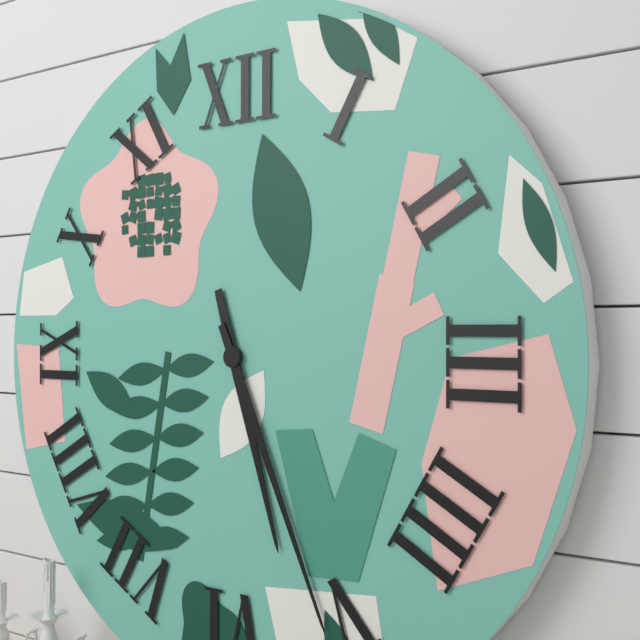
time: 5:26
